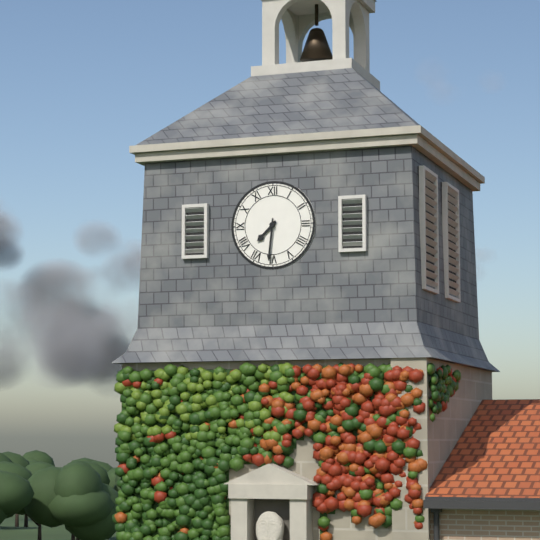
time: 7:31
